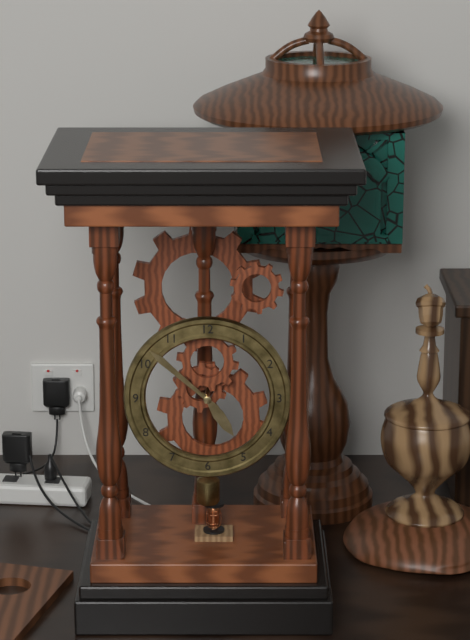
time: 4:52
